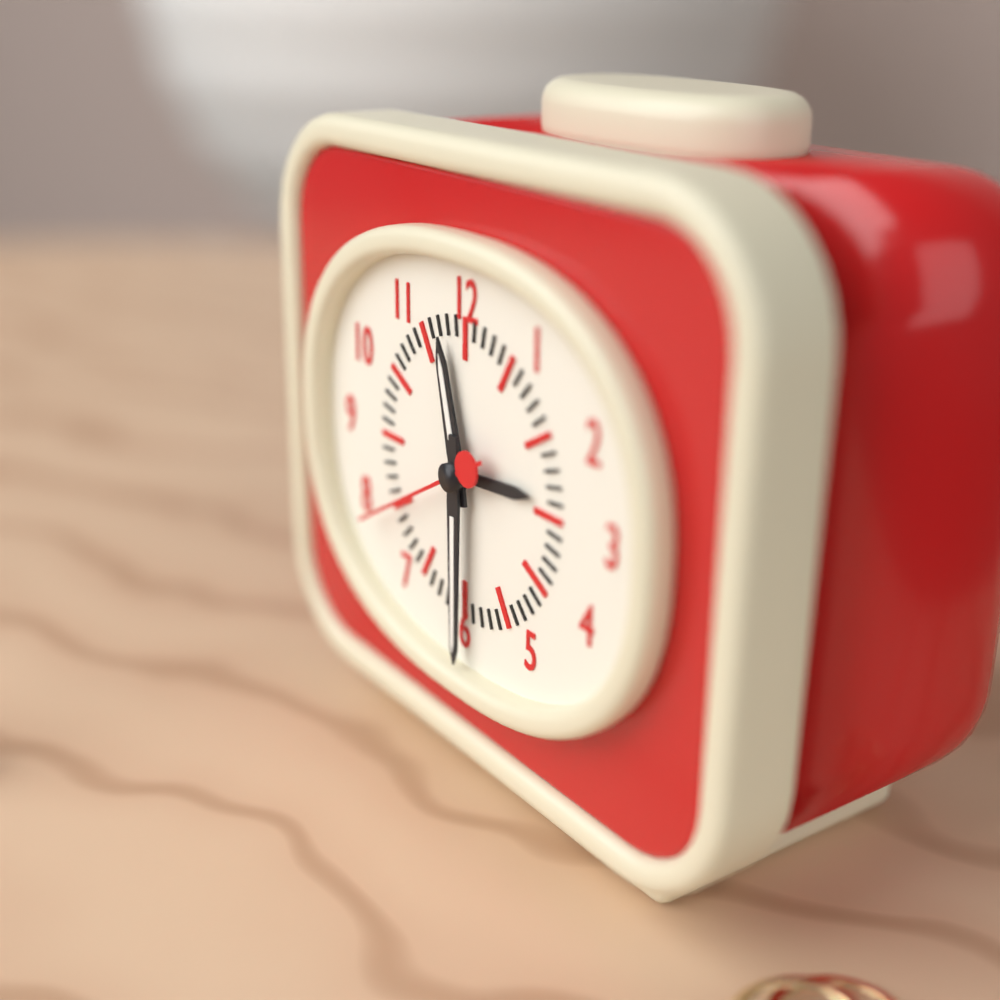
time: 11:30:40
